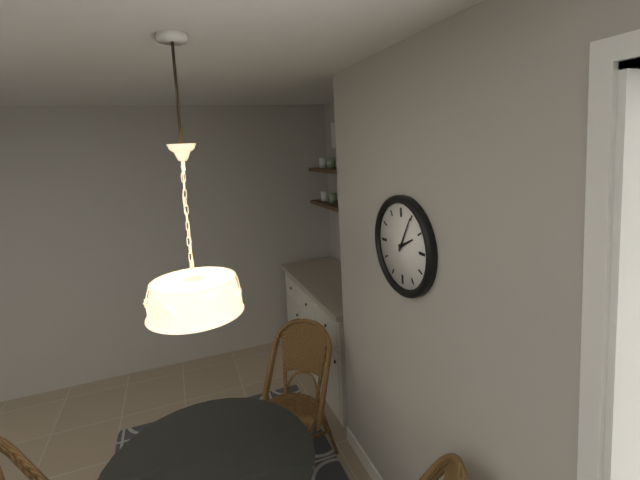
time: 2:05
